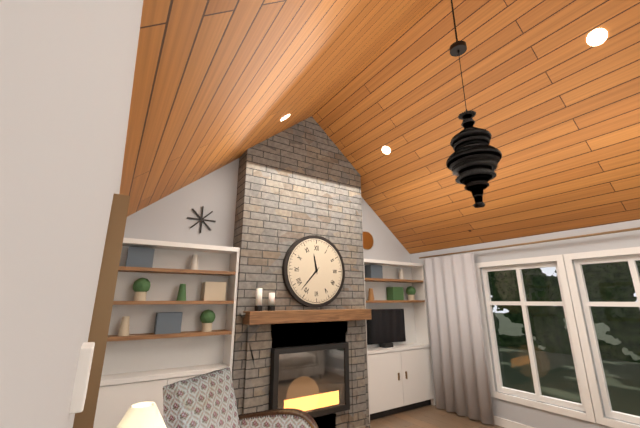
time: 11:37
